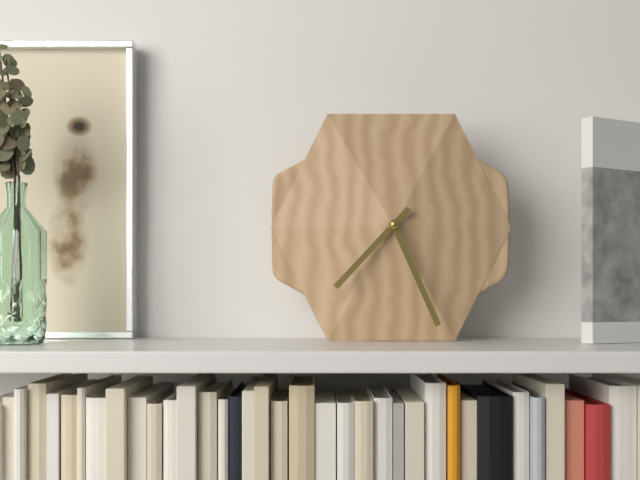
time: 7:26
